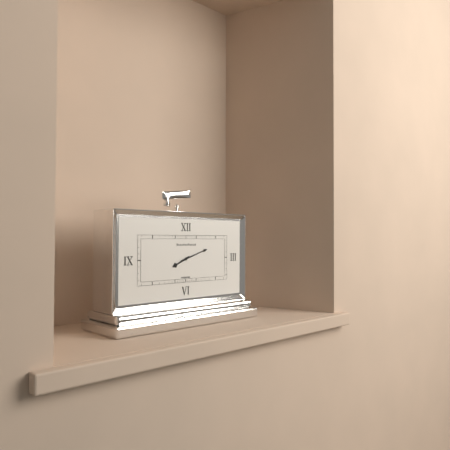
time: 8:12
